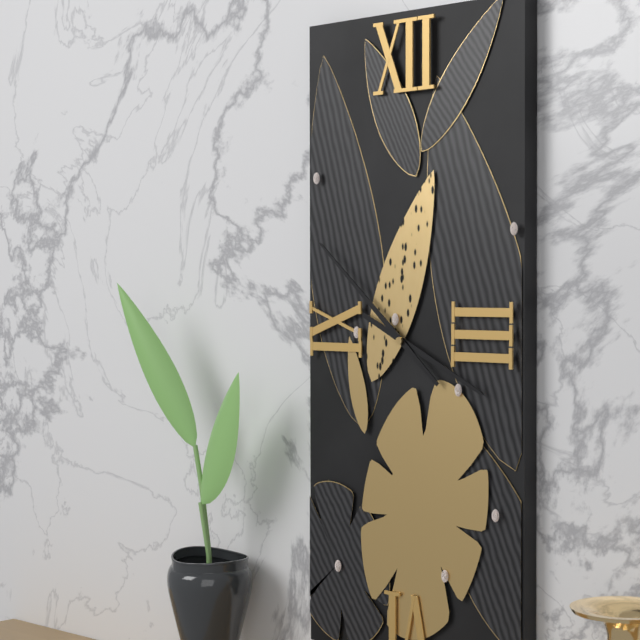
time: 3:52
